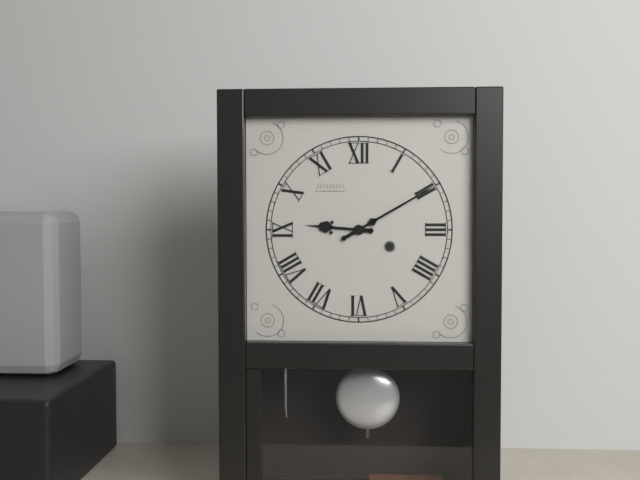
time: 9:10
